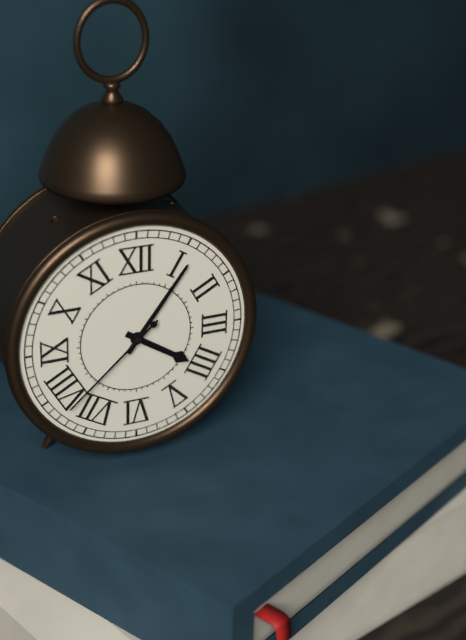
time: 4:06:38
